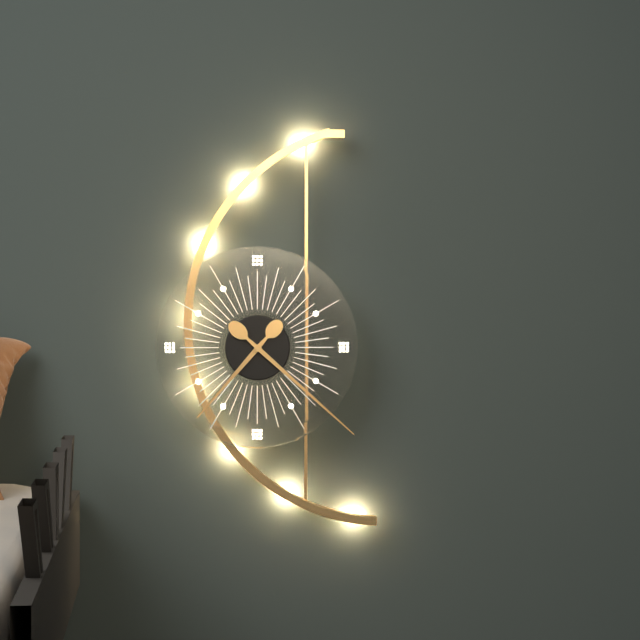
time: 7:22
